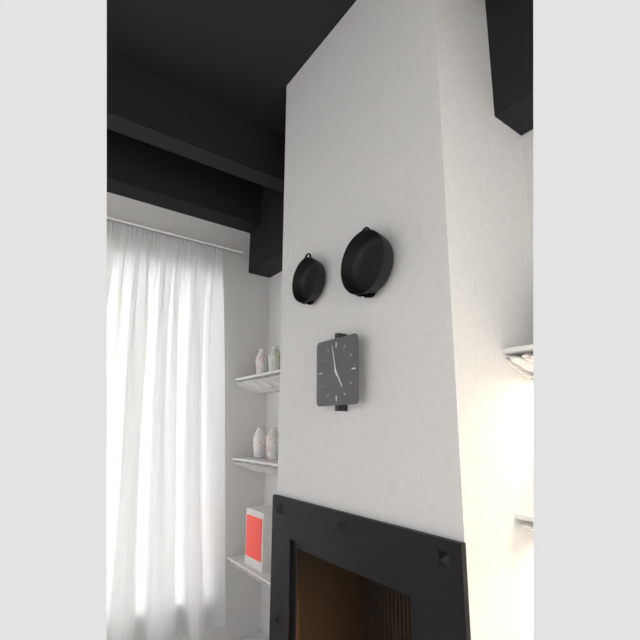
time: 4:58
